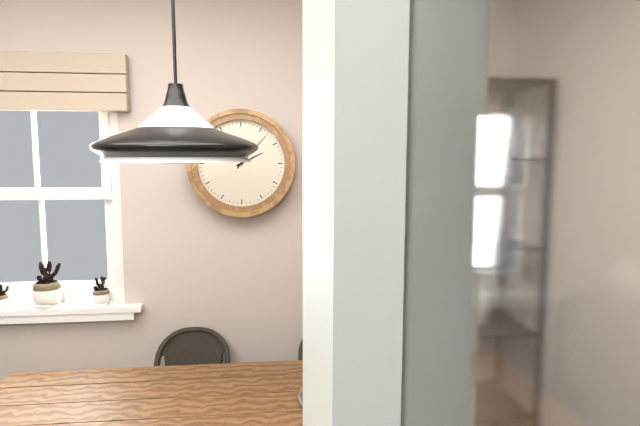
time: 2:07
